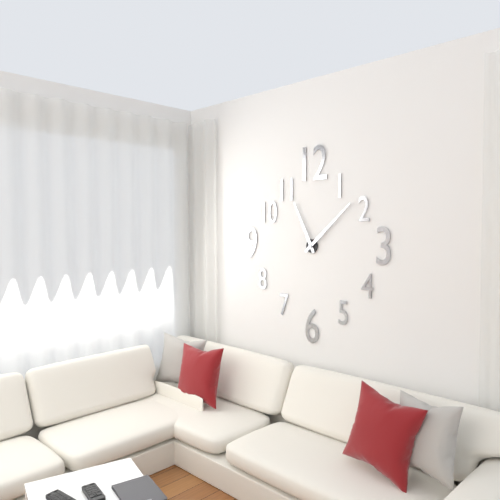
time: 11:08
